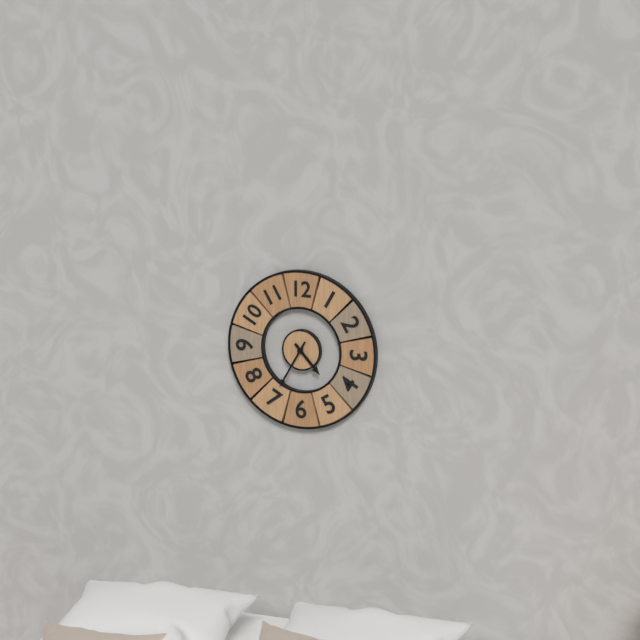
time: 4:35
